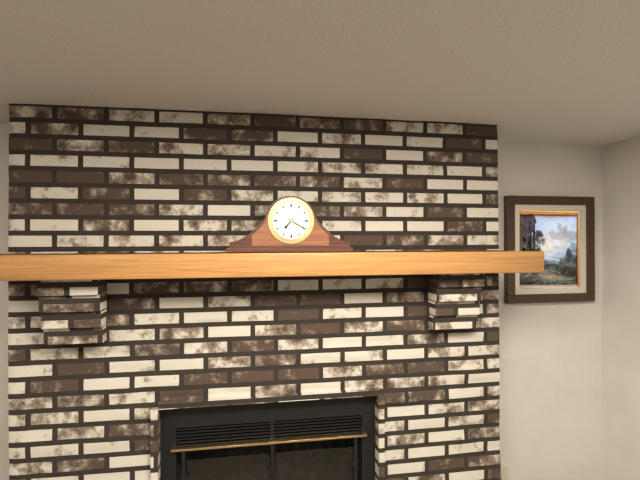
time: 7:20
